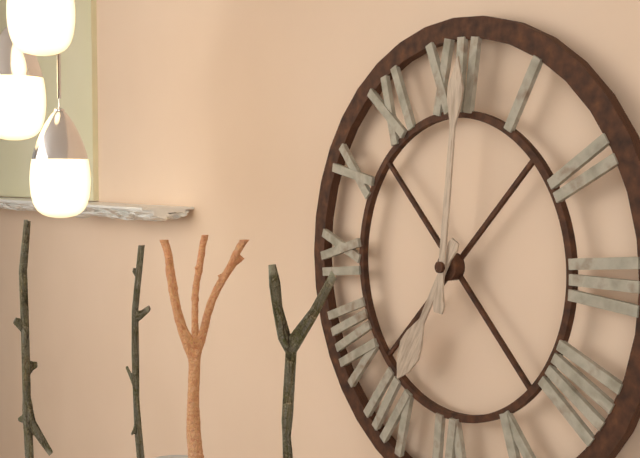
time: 7:01
